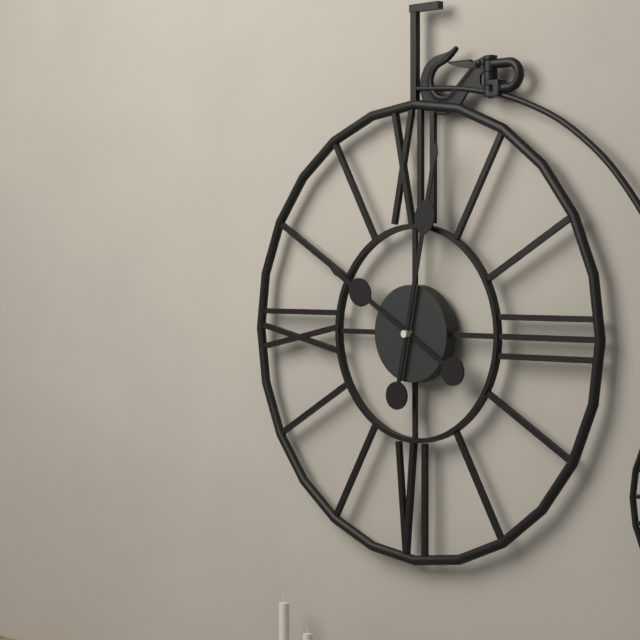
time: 10:02
